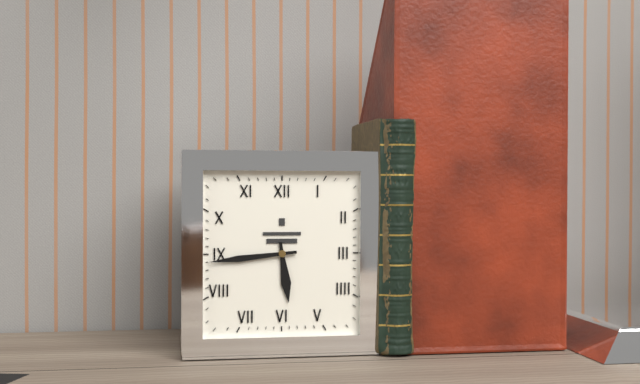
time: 5:44
